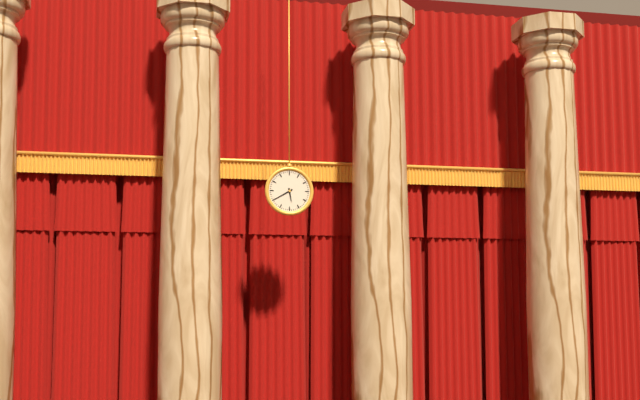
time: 5:40
